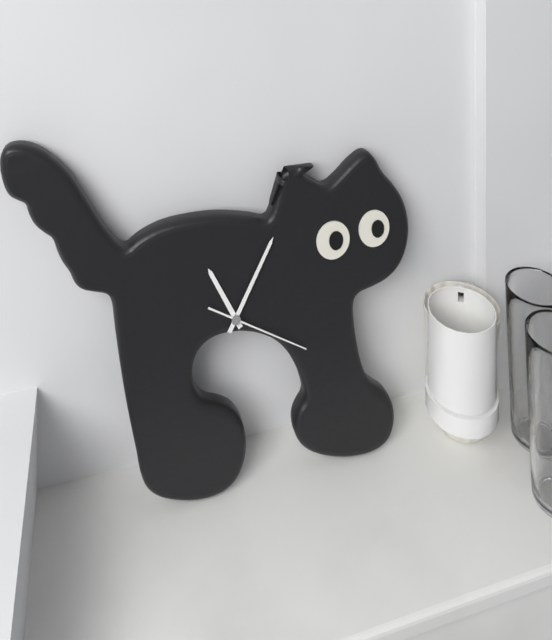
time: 11:05:20
